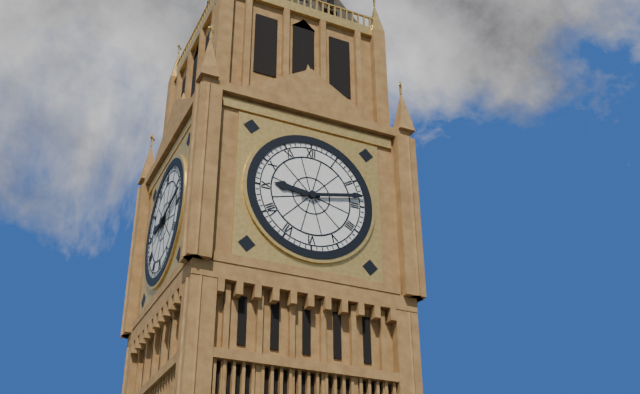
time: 9:13
